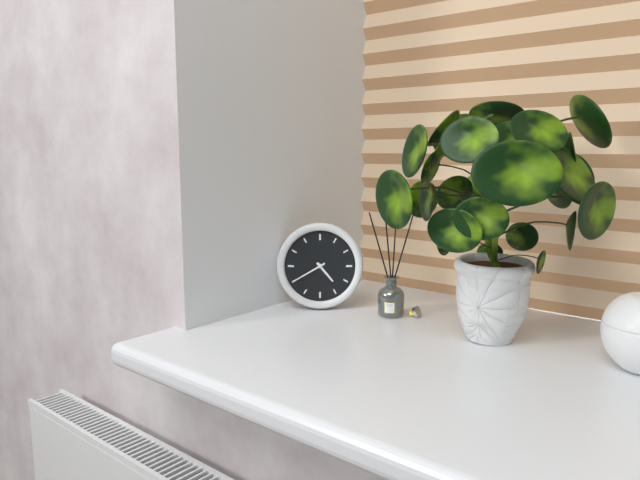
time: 4:40
